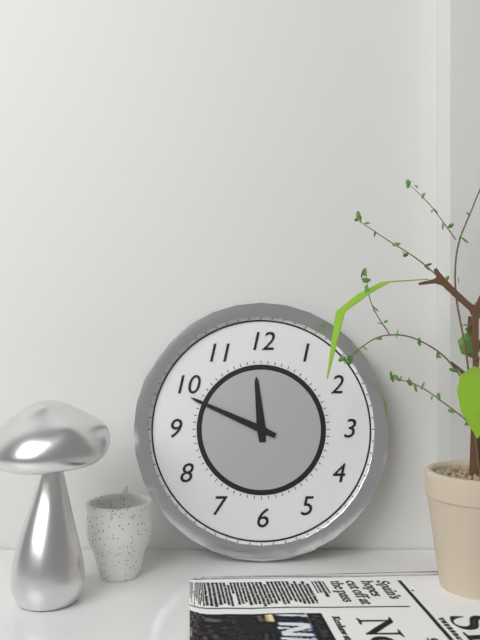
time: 11:49
